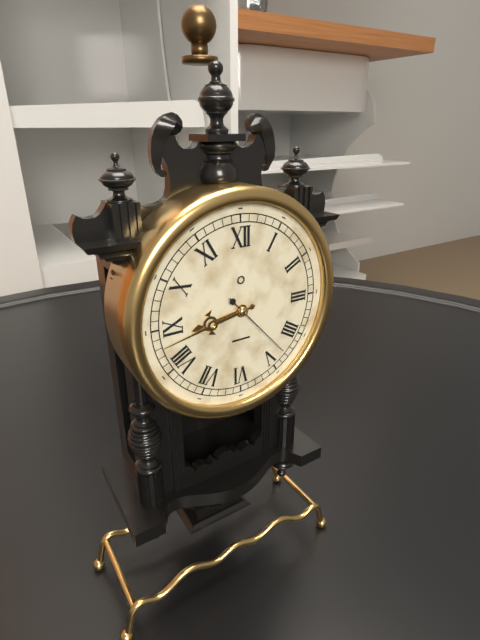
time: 8:43:23
